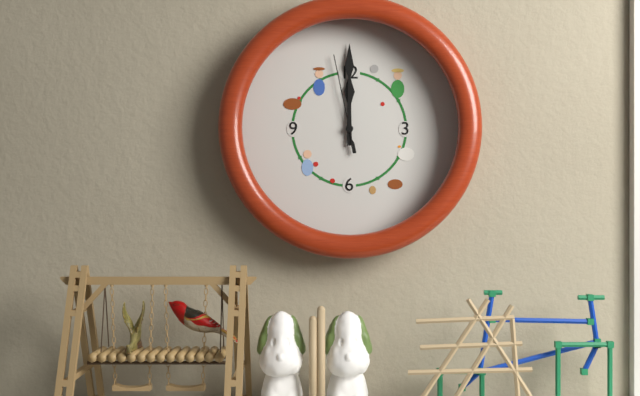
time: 12:00:58
